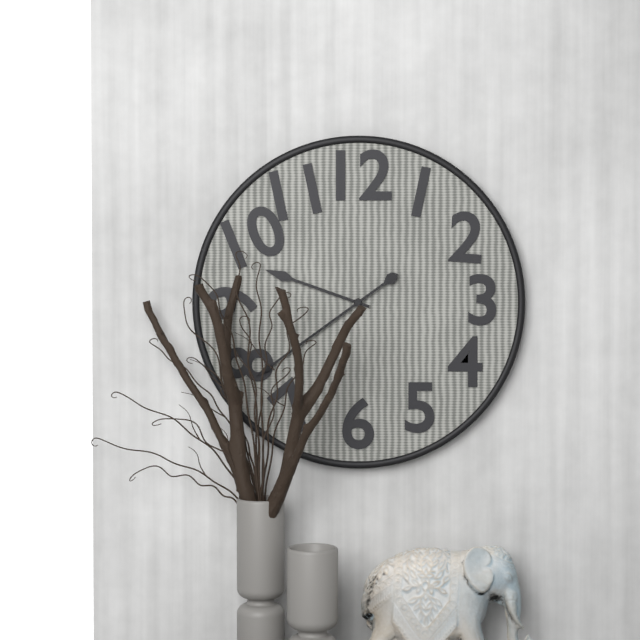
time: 9:39
